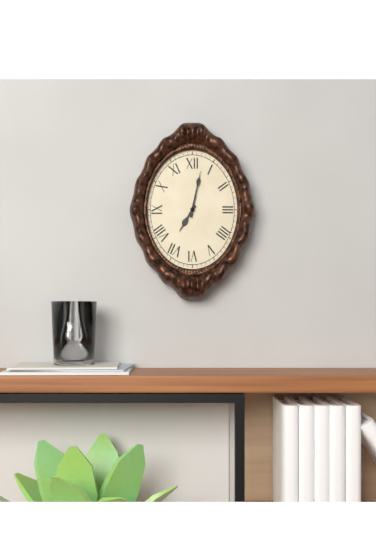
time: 7:02
